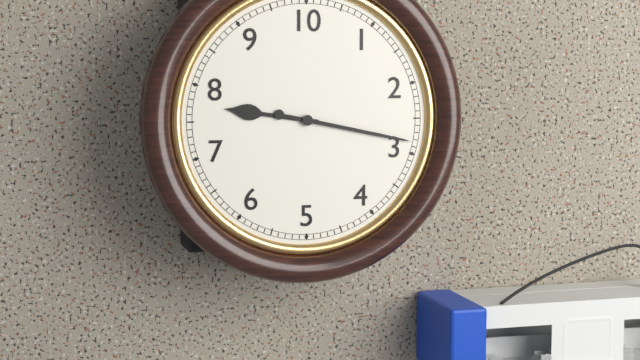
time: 9:17
